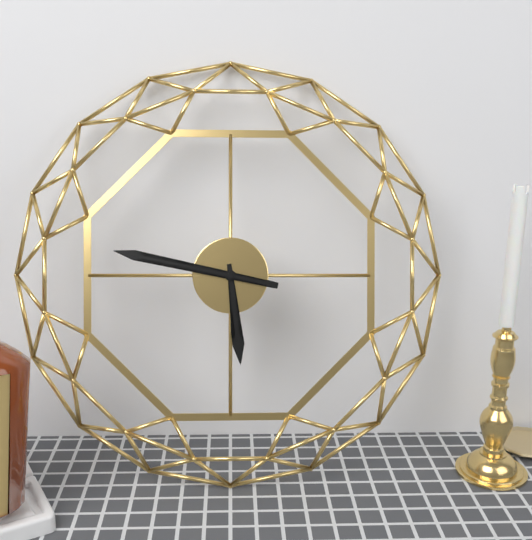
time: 5:47
